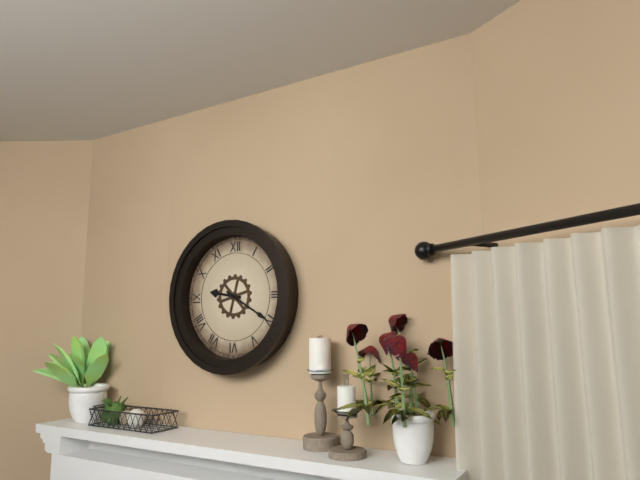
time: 9:20
